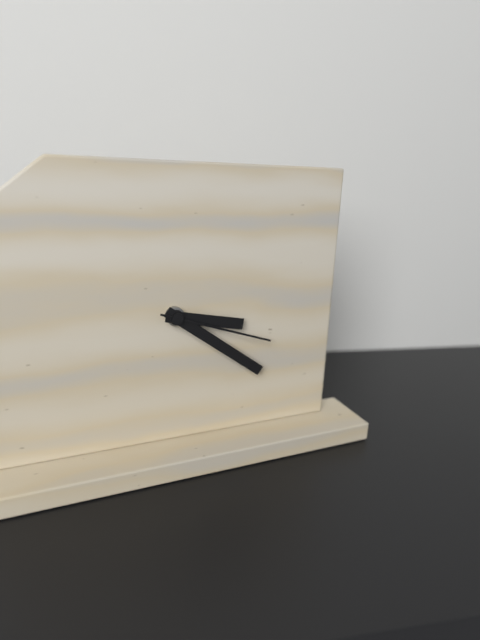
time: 3:21:18
